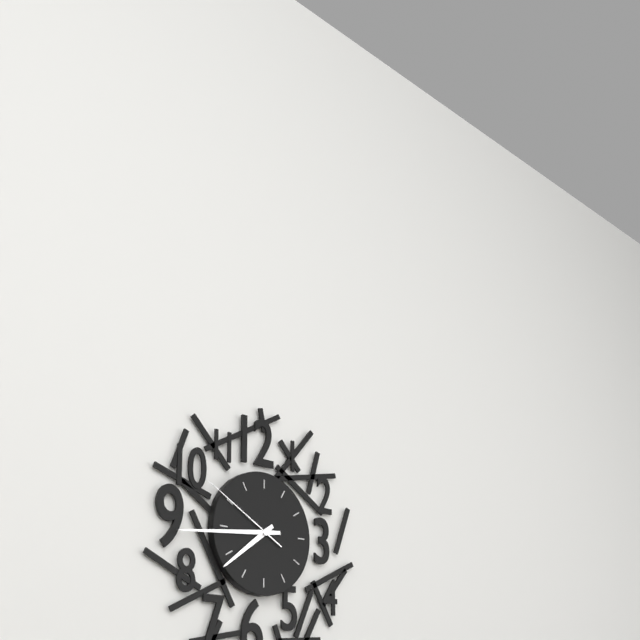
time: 7:44:50
